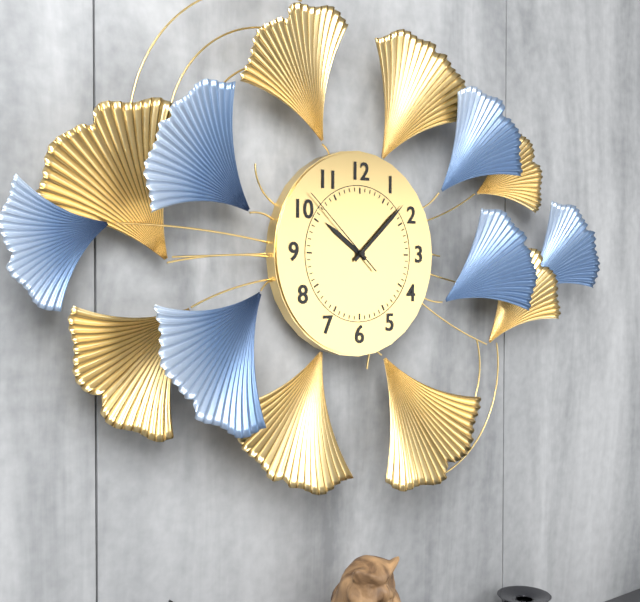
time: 10:08:52
